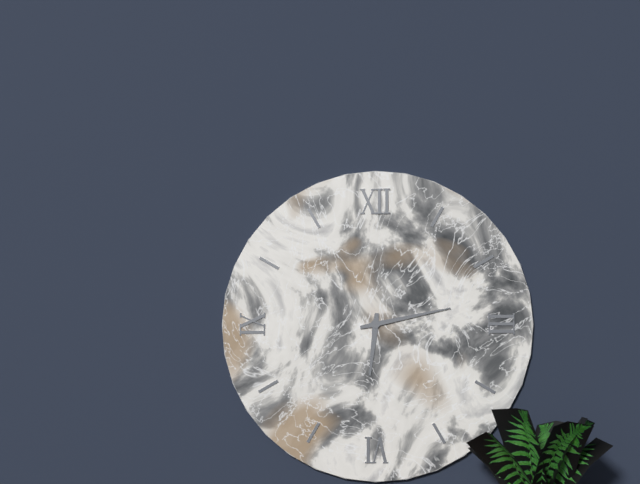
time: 6:13
